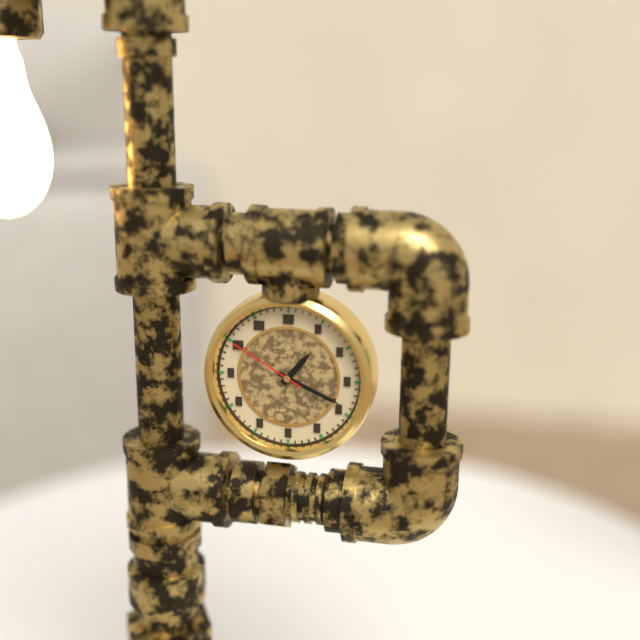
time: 1:19:50
